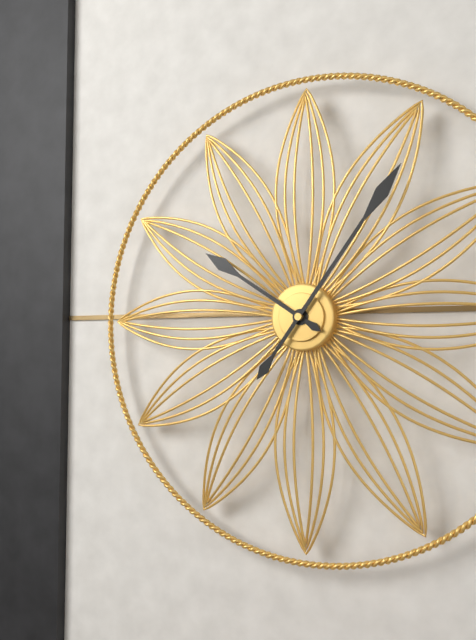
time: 10:06
